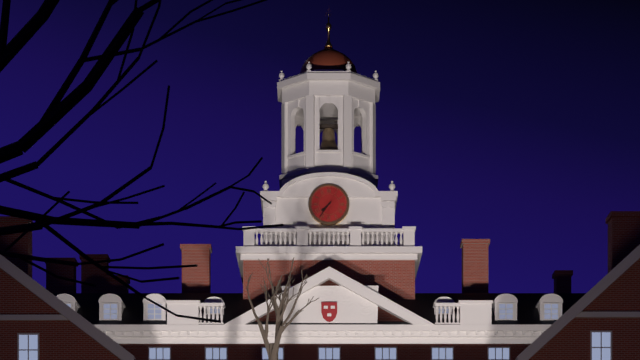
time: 7:36
